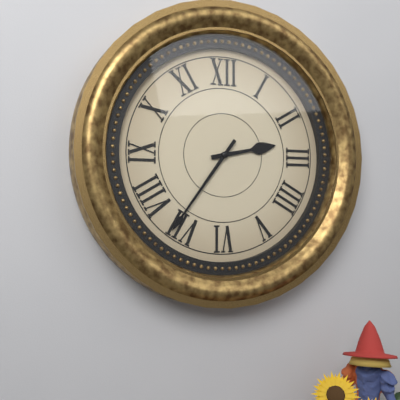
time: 2:36
